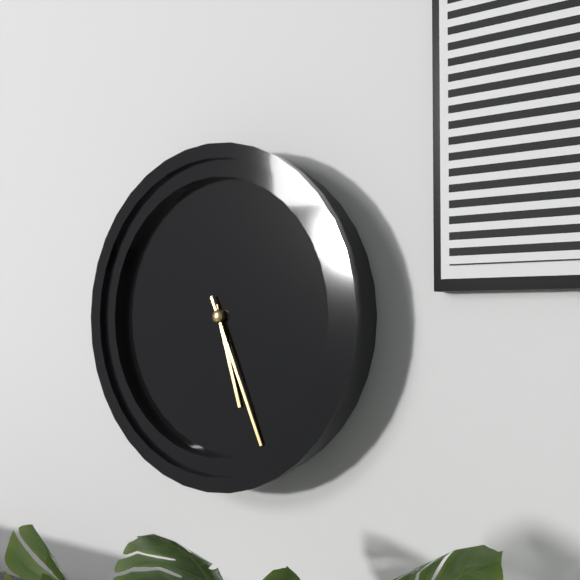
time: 5:26
